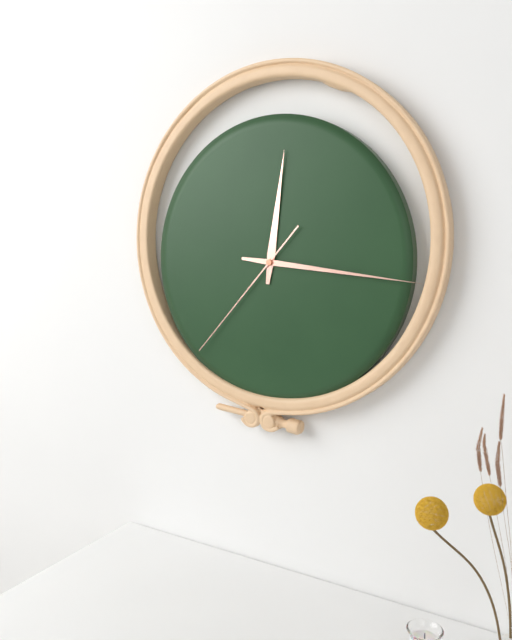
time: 12:16:37
